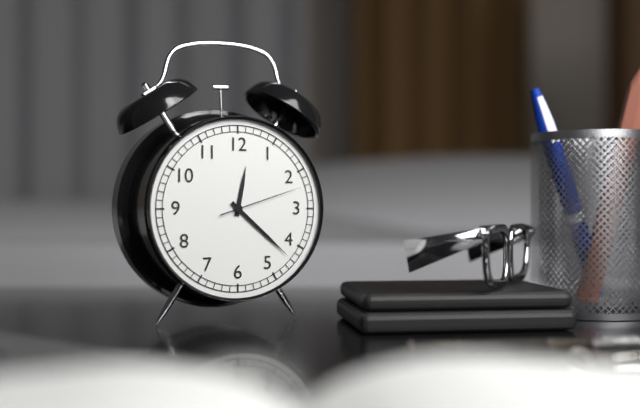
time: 12:22:12
